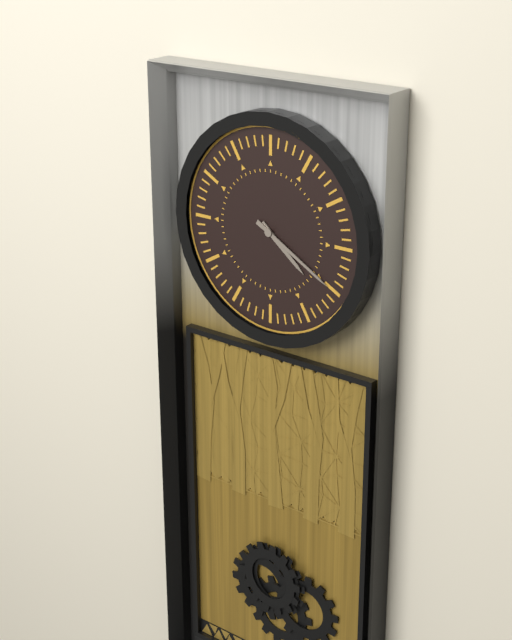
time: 4:20
